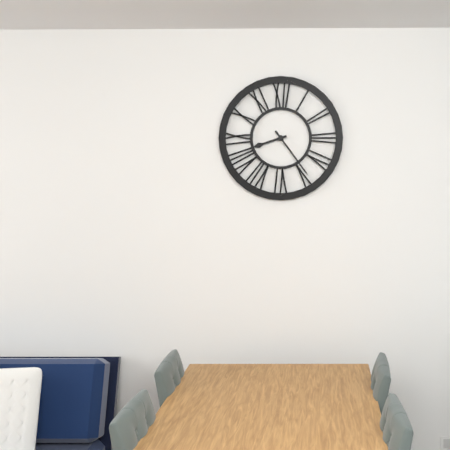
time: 8:24
